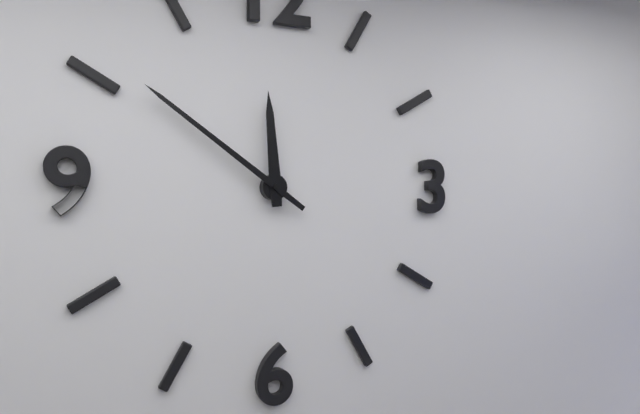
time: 11:51
